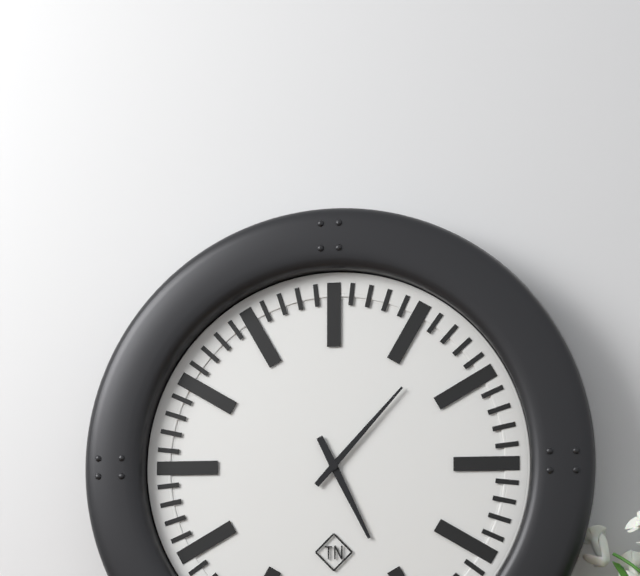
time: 5:07
